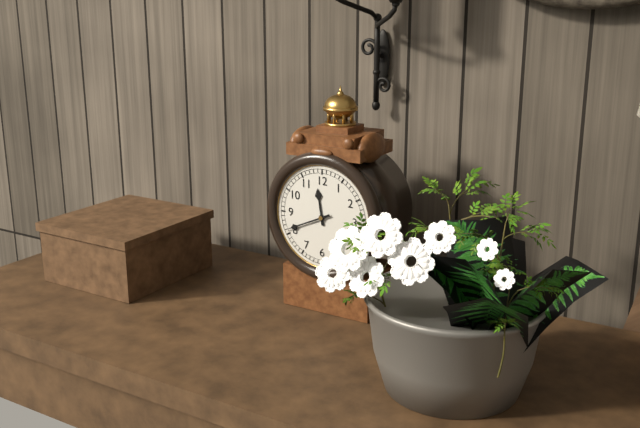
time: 11:41
